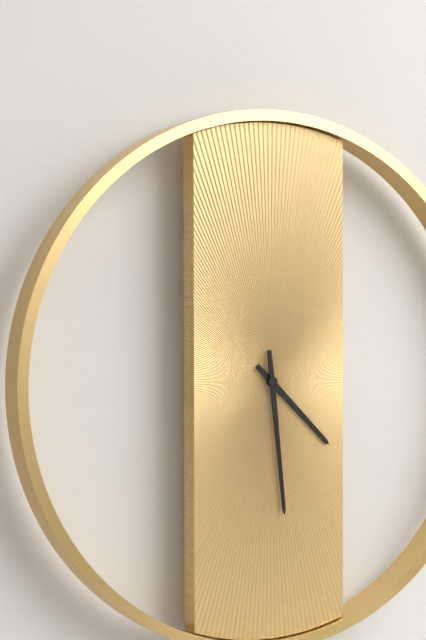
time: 4:29
